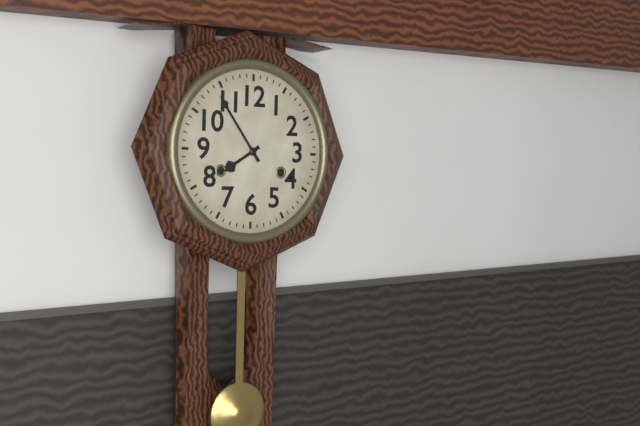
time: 7:54
